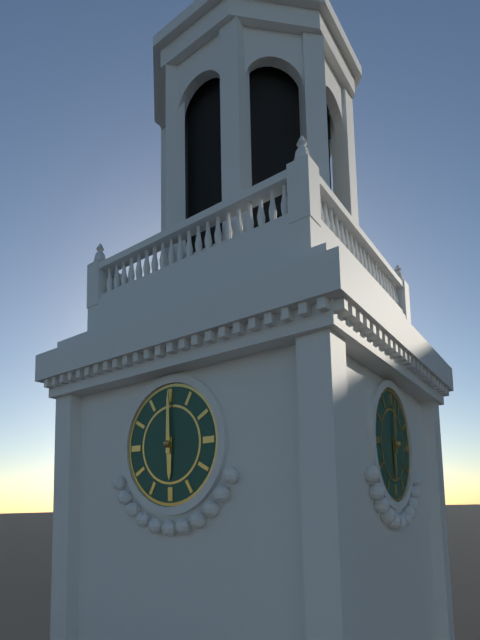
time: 6:00
